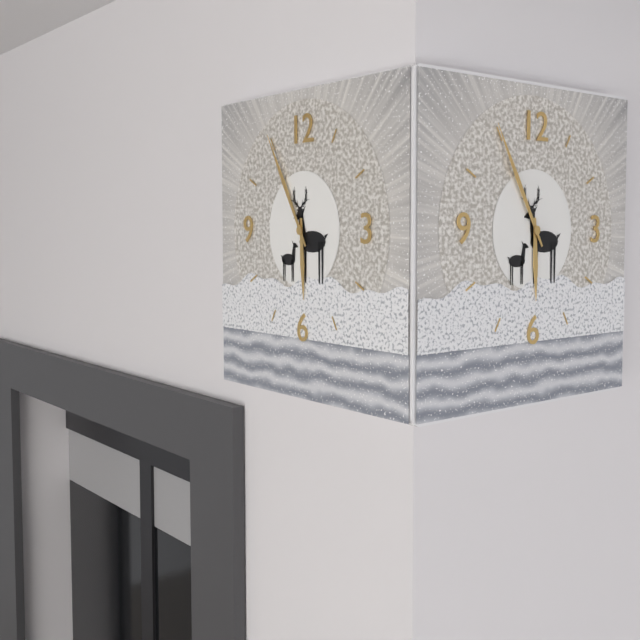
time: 5:55
